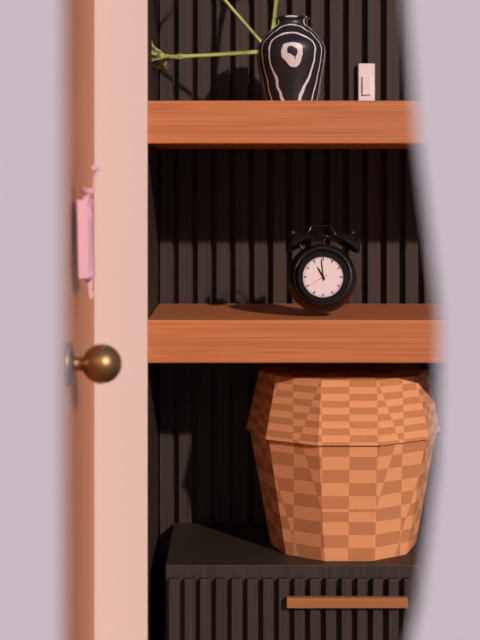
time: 10:59
